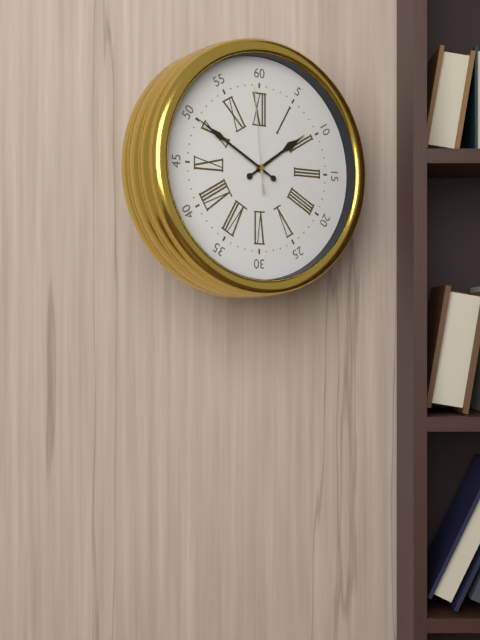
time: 1:50:59
